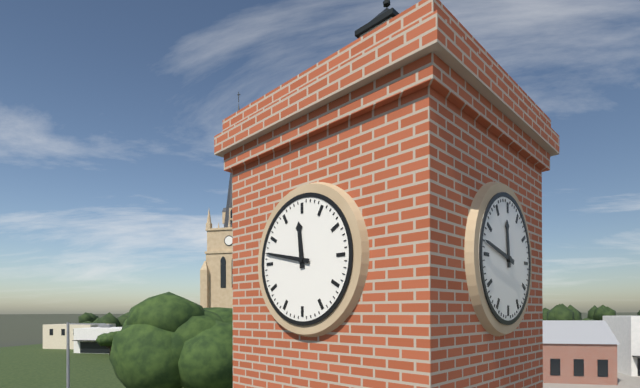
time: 11:47
